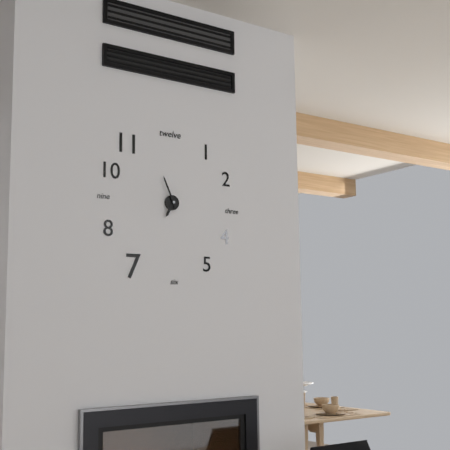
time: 6:56
